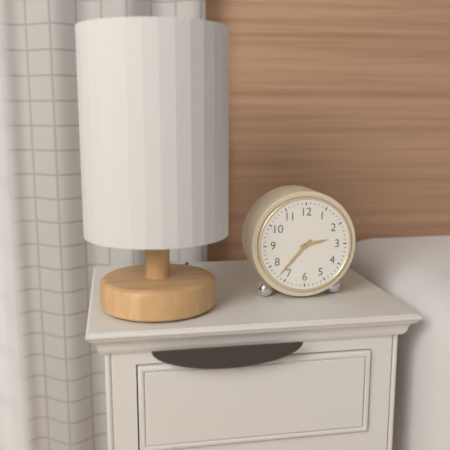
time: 2:37
